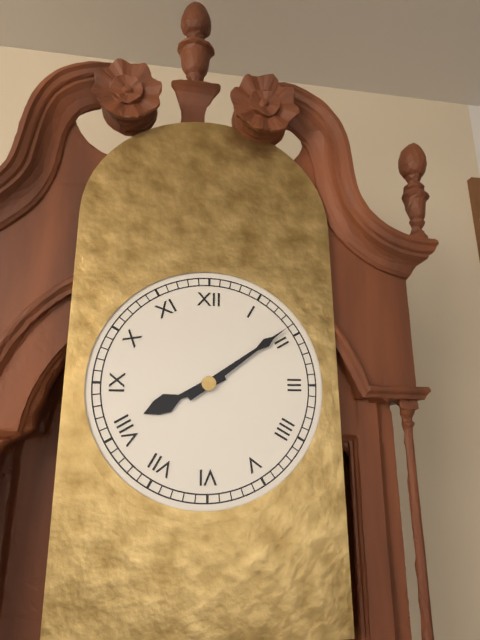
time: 8:09
